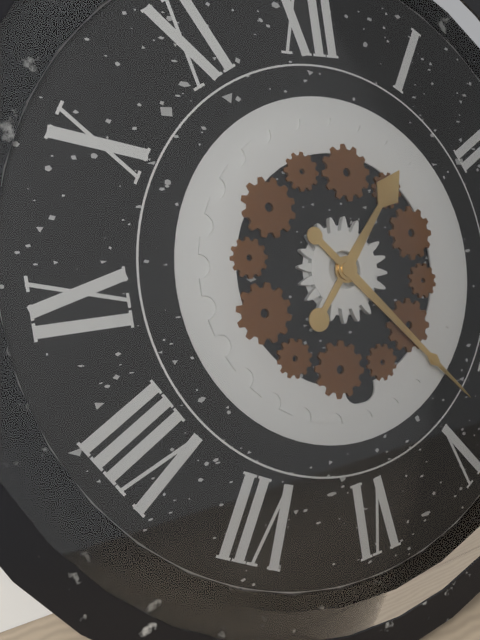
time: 1:23
